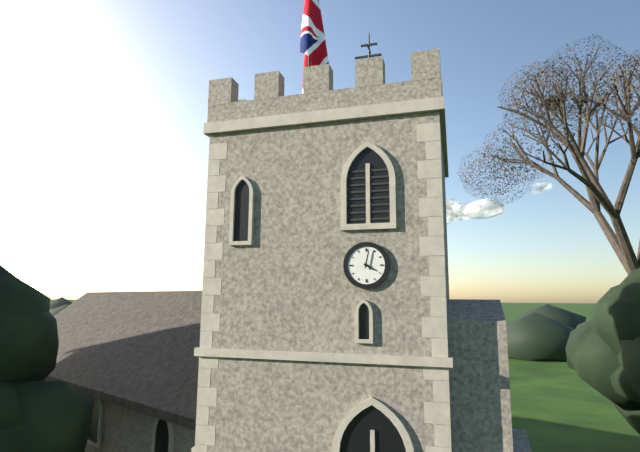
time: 4:02
